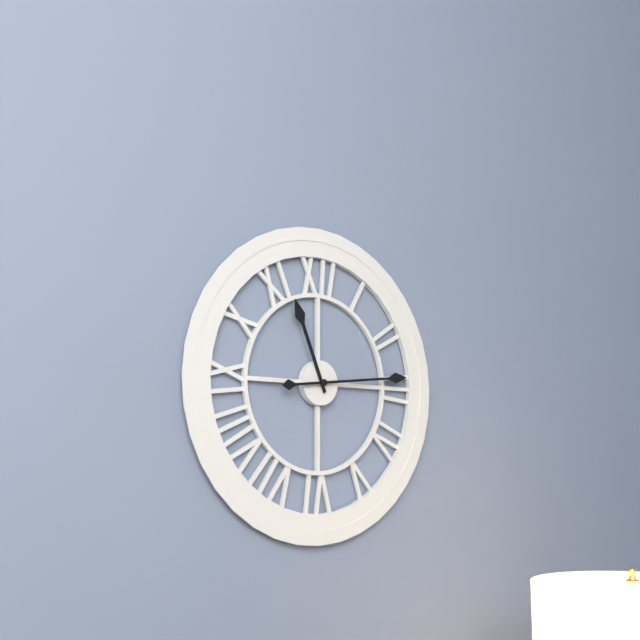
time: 11:14
